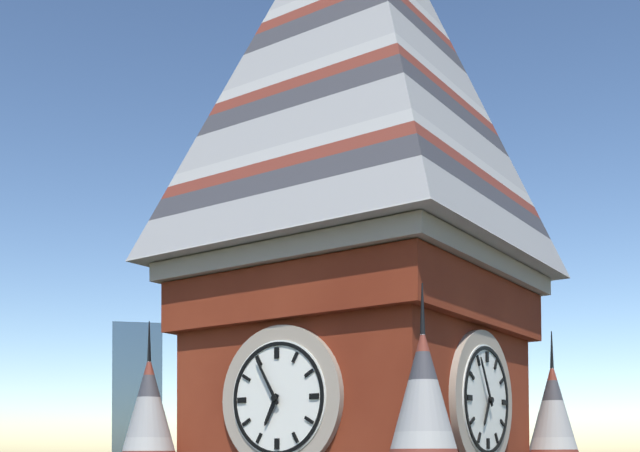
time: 6:55
